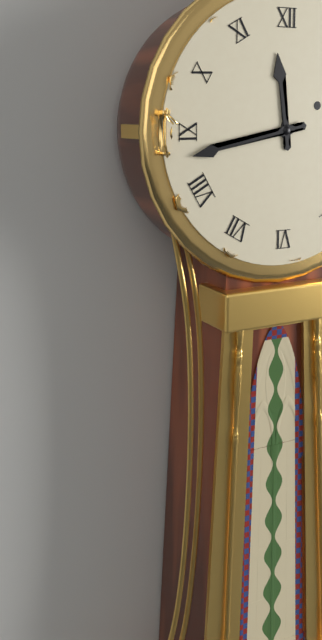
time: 11:43
